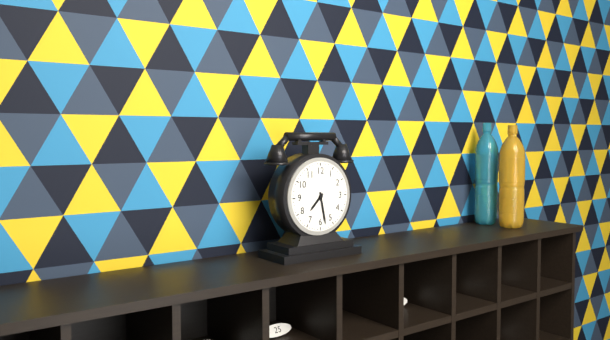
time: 7:28
